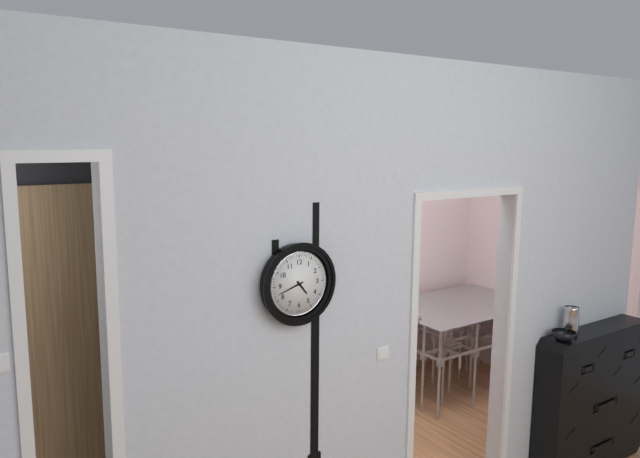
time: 4:42
